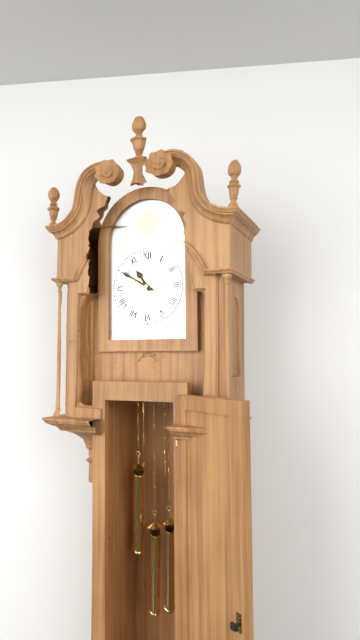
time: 10:50
